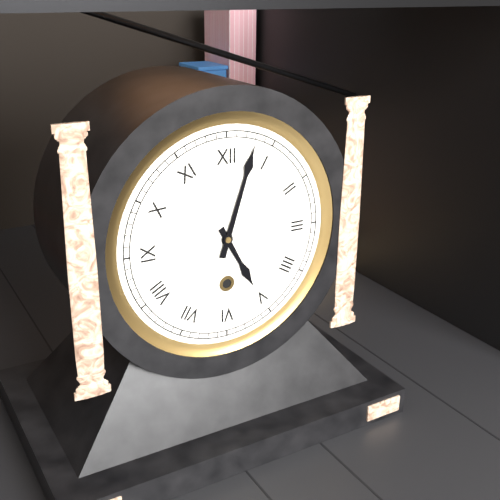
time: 5:03
